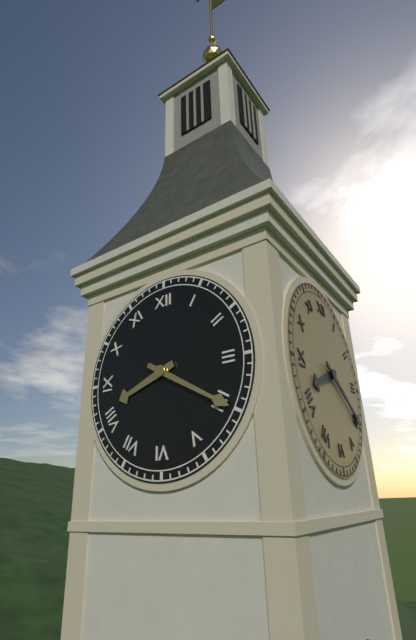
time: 8:20
